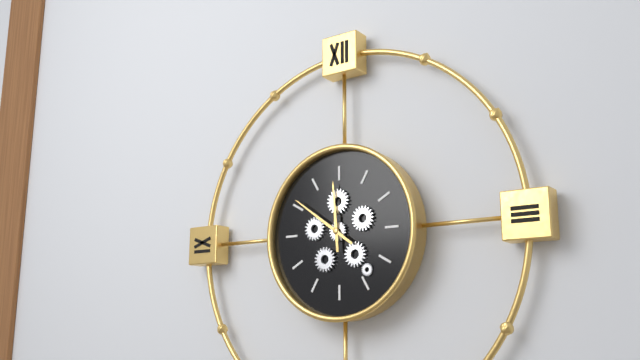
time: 11:51
